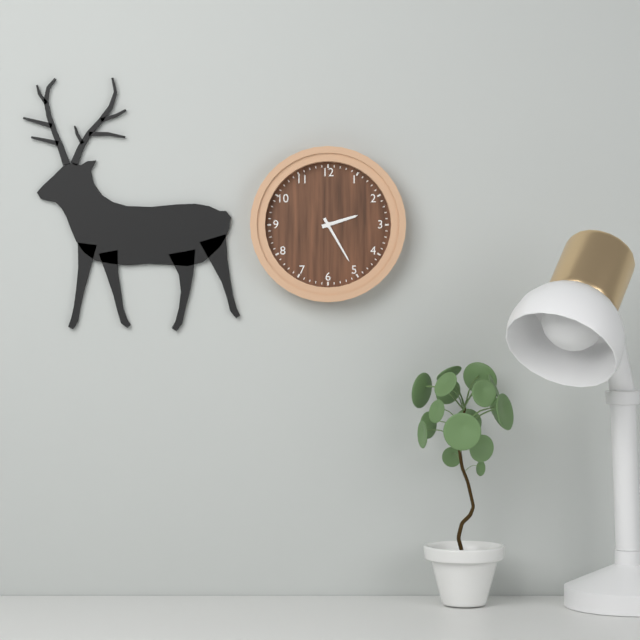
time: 2:25
